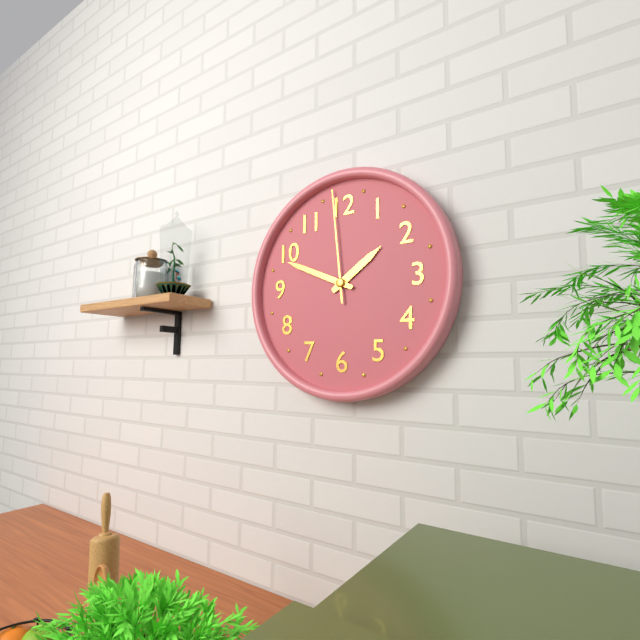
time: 1:49:59
